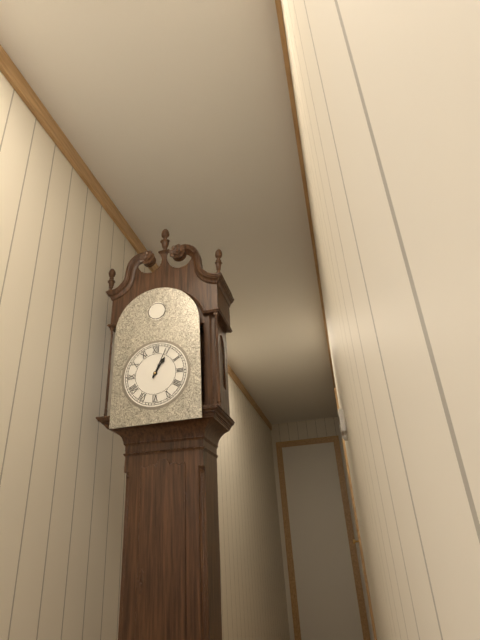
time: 1:04
